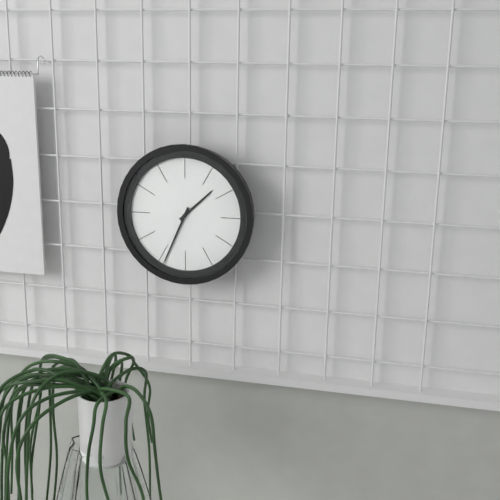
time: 1:34
